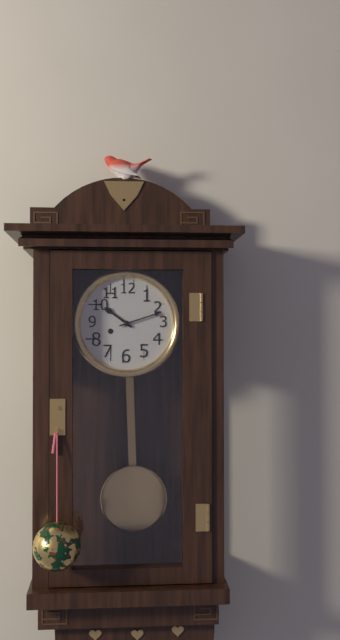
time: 10:12
